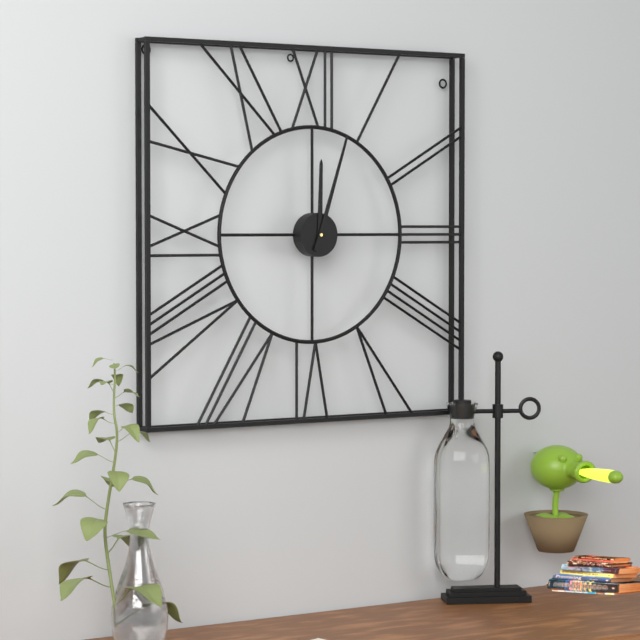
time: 12:03
